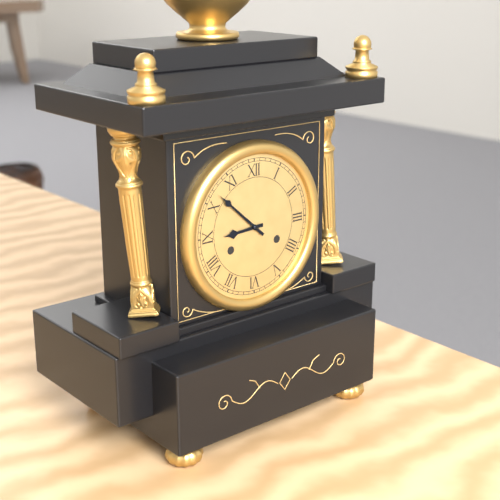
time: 8:52
